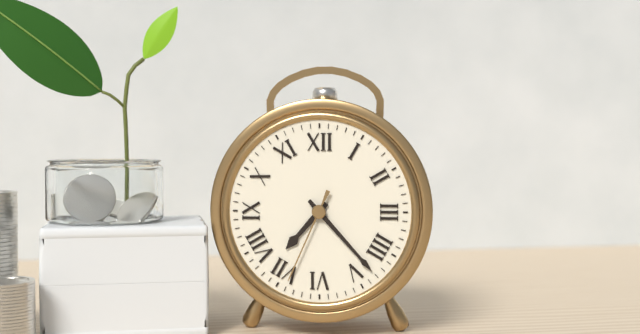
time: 7:23:34
